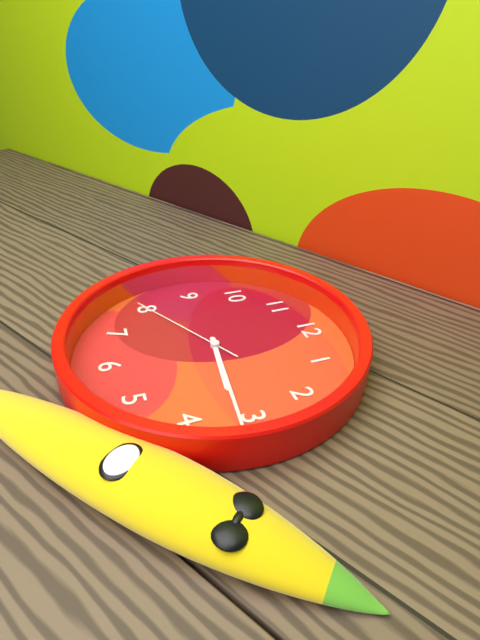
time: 3:16:40
